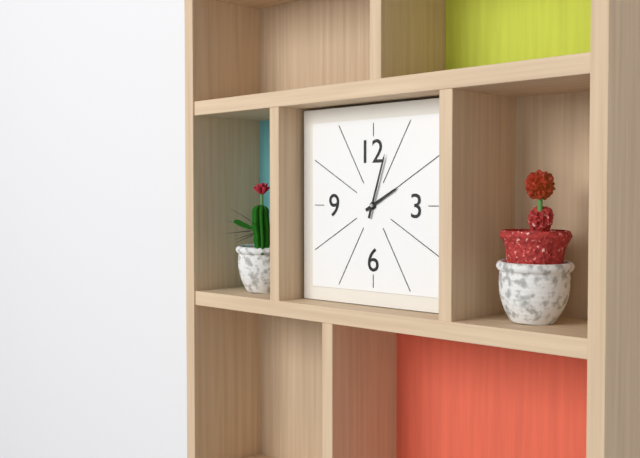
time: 2:03
